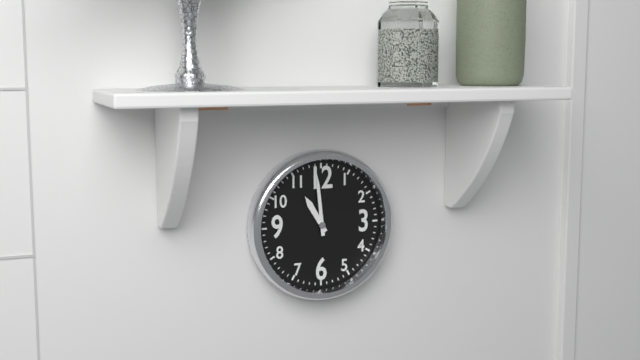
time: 10:59
